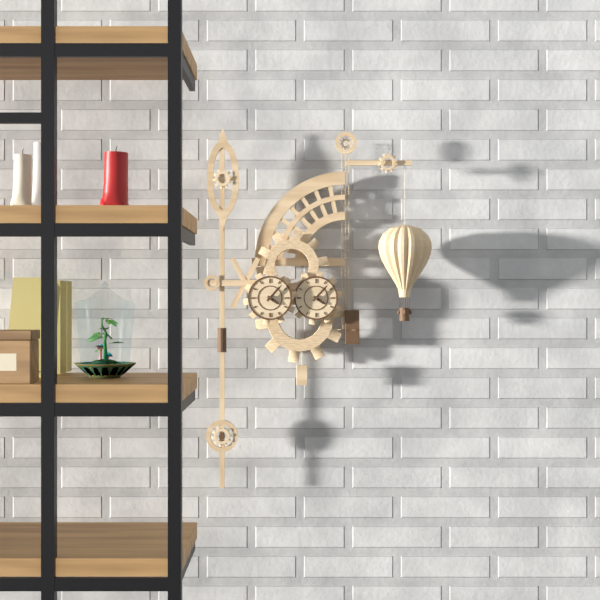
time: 4:07
